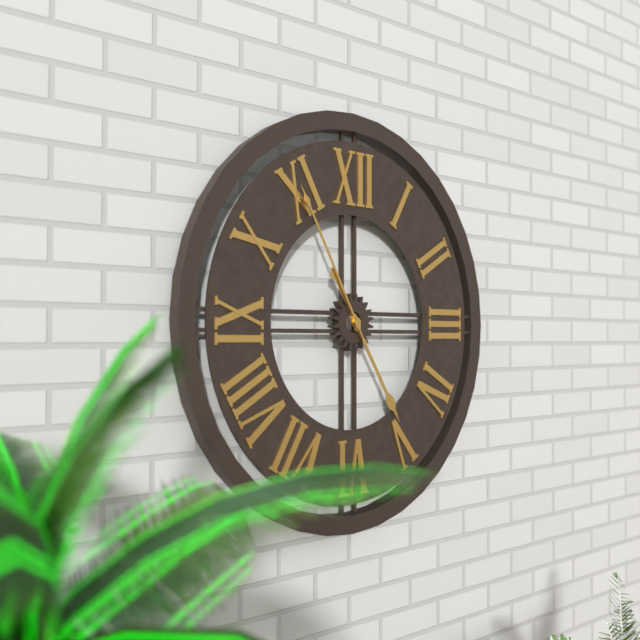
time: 4:55
